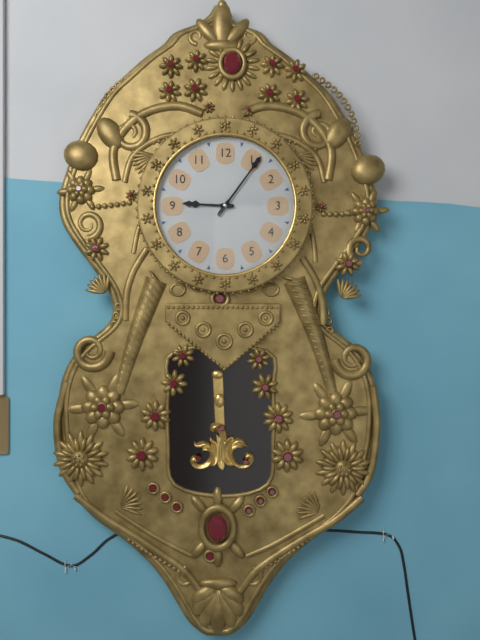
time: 9:06
